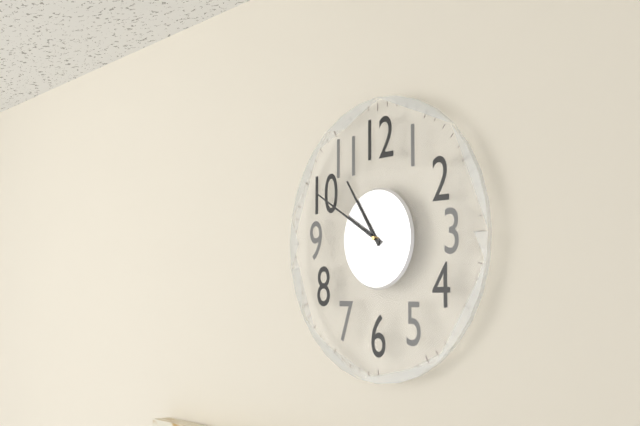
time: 10:50
